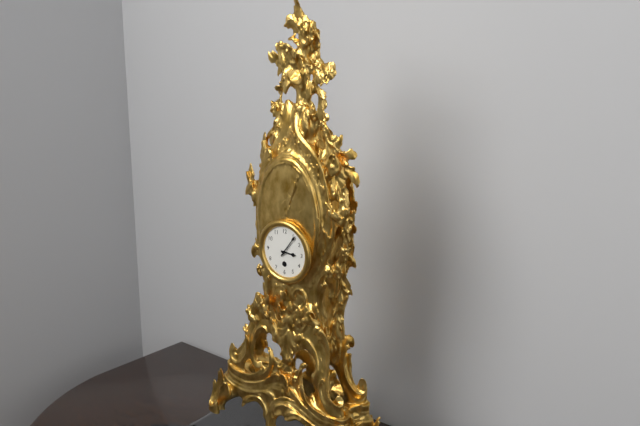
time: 3:06
